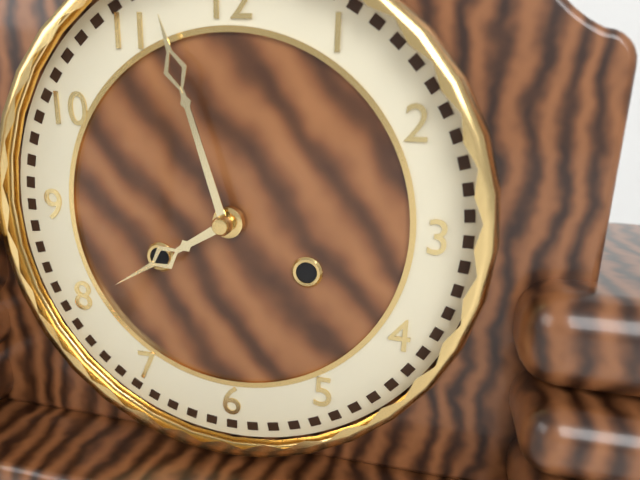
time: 7:57
